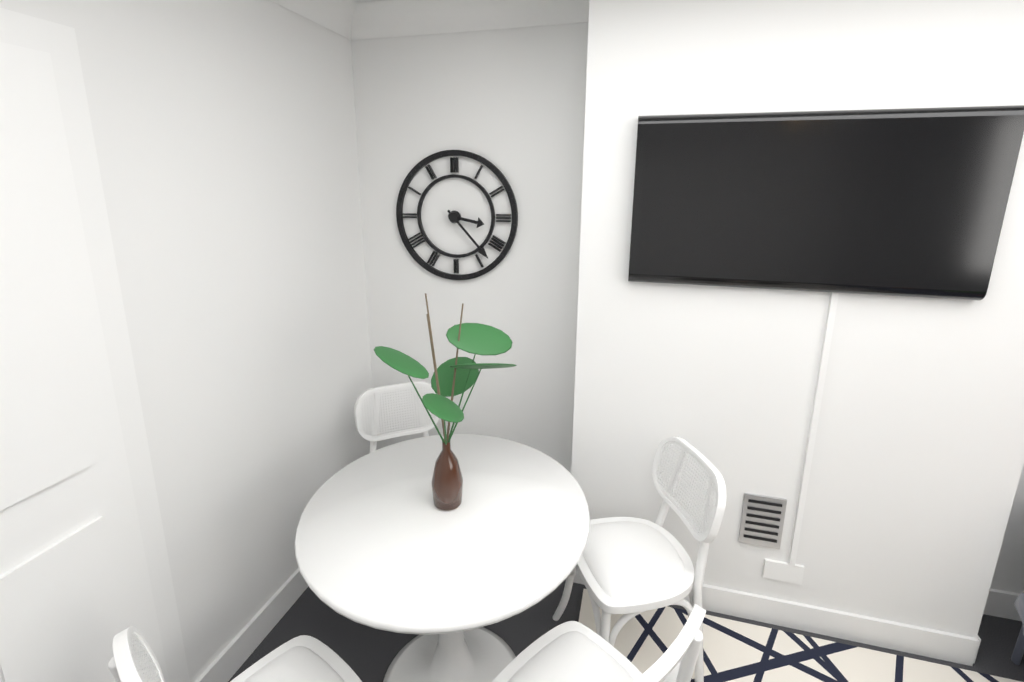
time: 3:23
